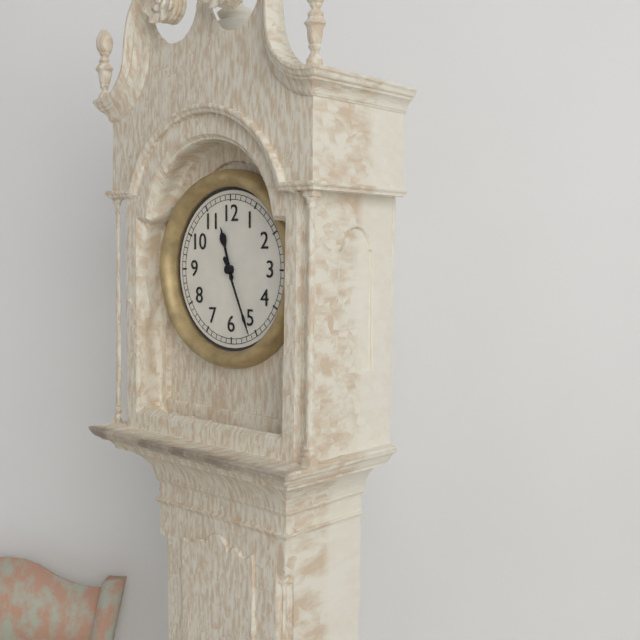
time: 11:26
